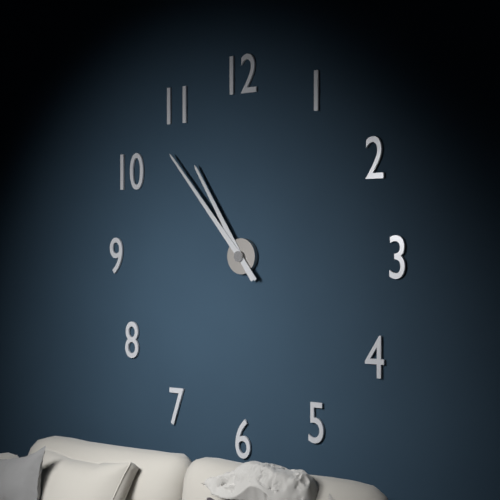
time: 10:53
